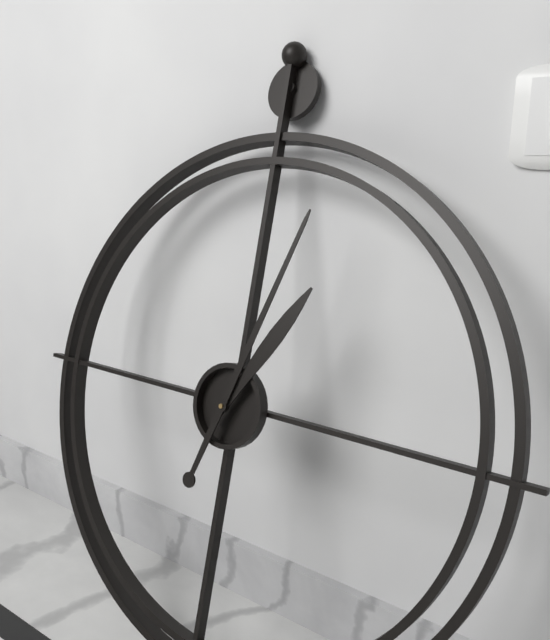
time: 1:03
